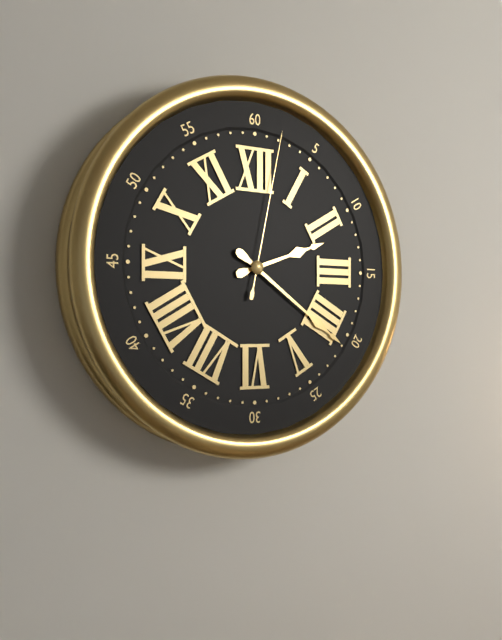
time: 2:21:02
